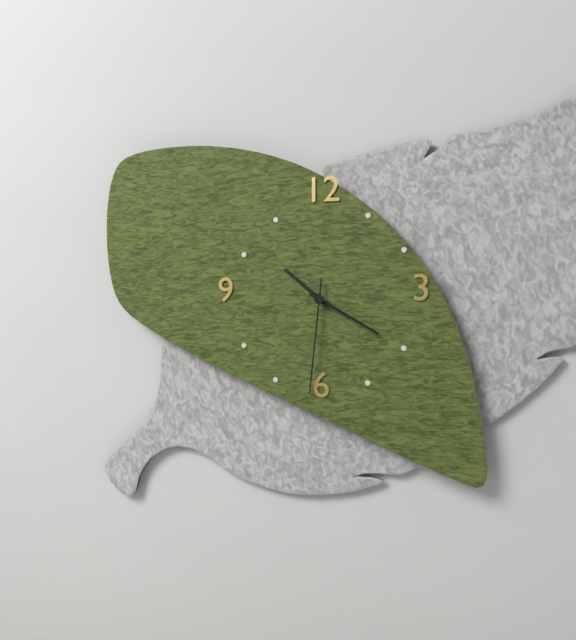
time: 10:20:31
